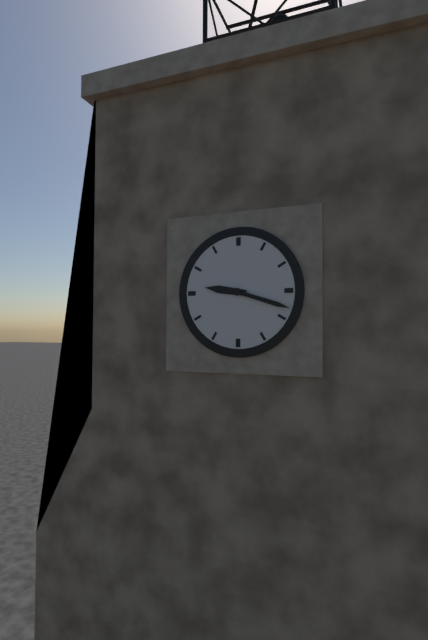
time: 9:18
